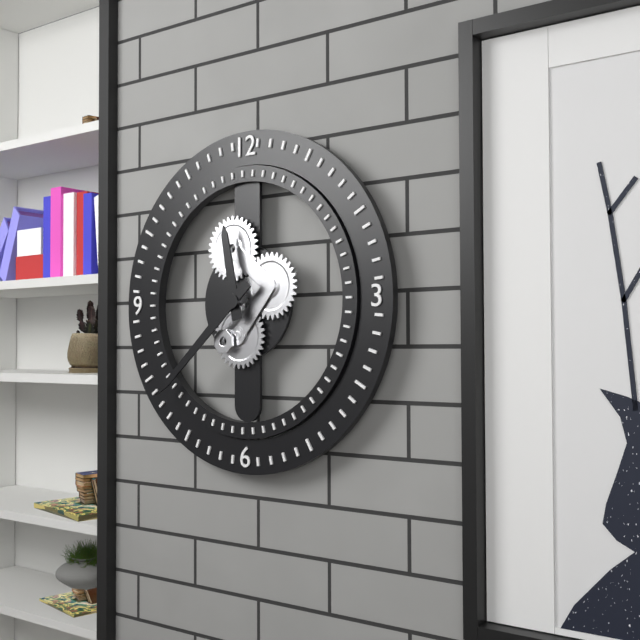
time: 11:38
